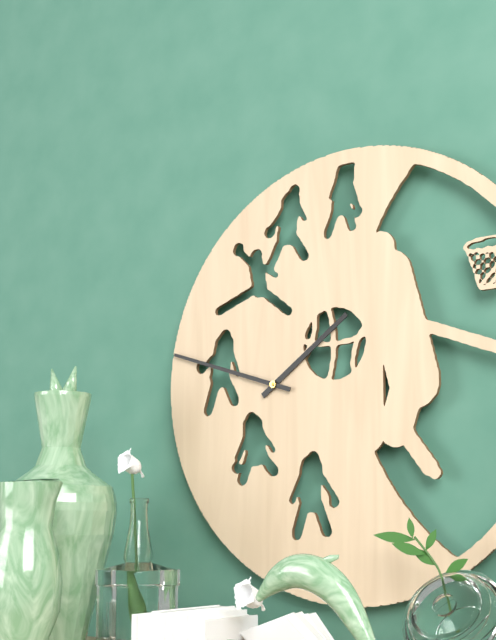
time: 1:48
